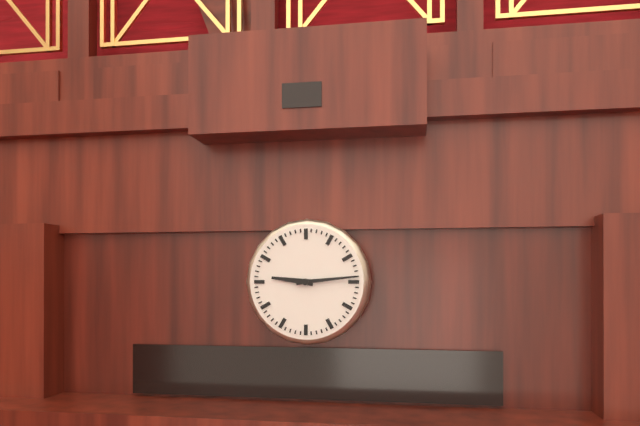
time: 9:14
